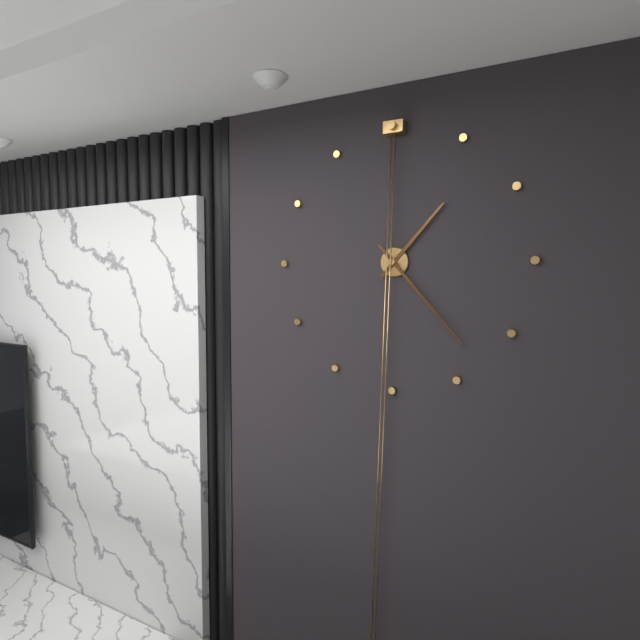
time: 1:23
